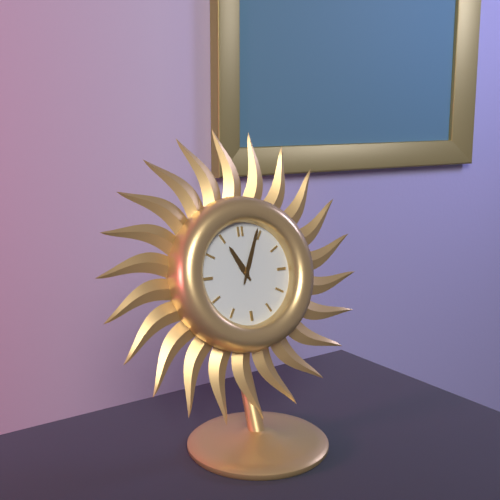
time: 11:04
